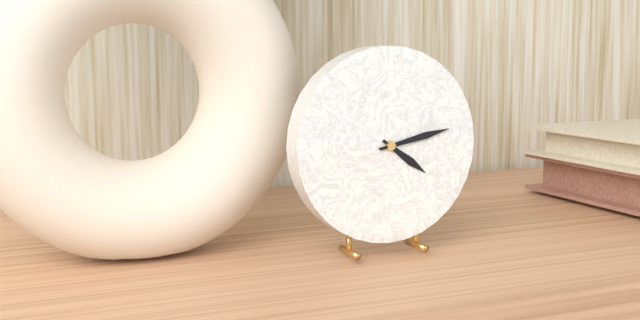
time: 4:13
